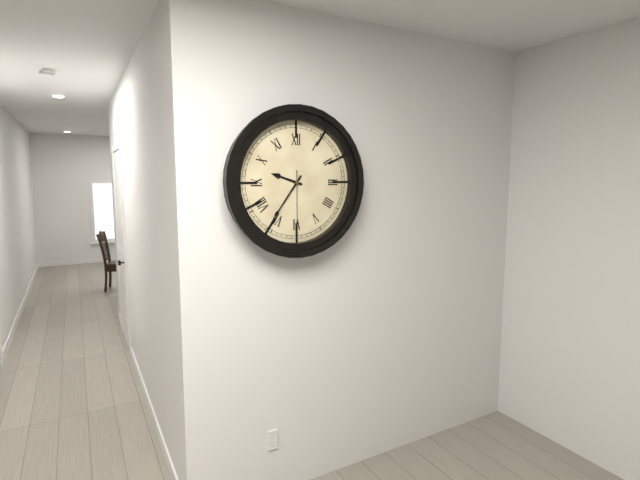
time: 9:36:30
